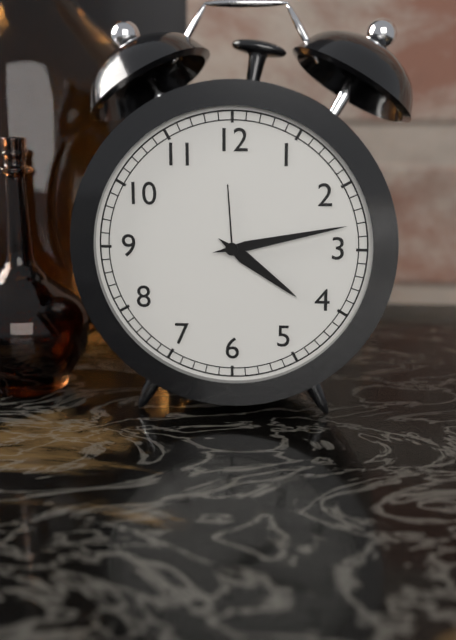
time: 4:13
